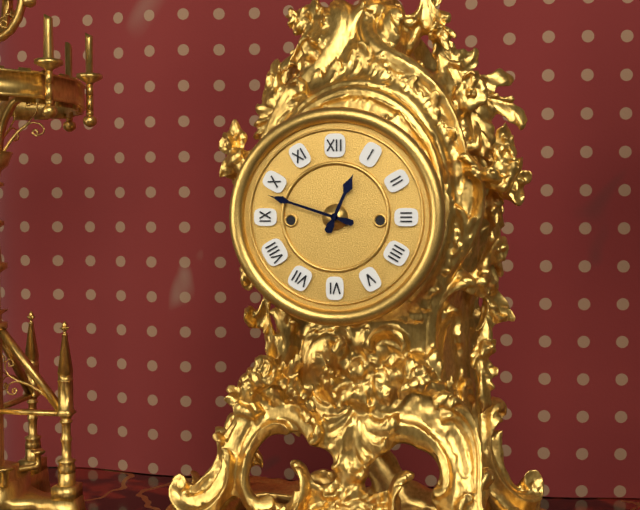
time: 12:48
